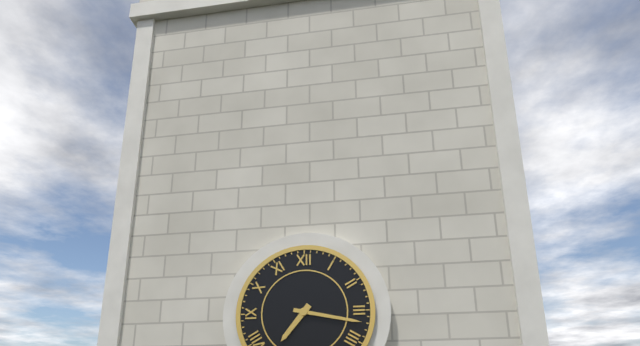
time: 7:17
